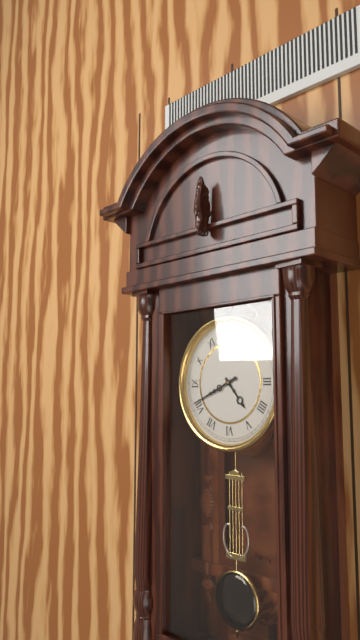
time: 4:41
